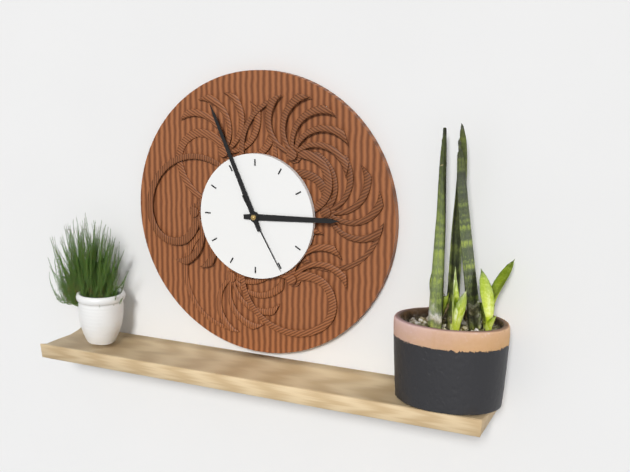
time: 2:56:25
